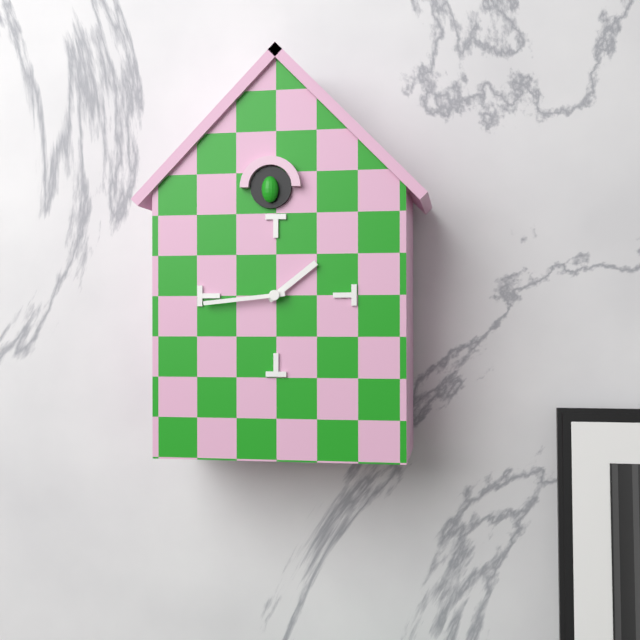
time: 1:44
